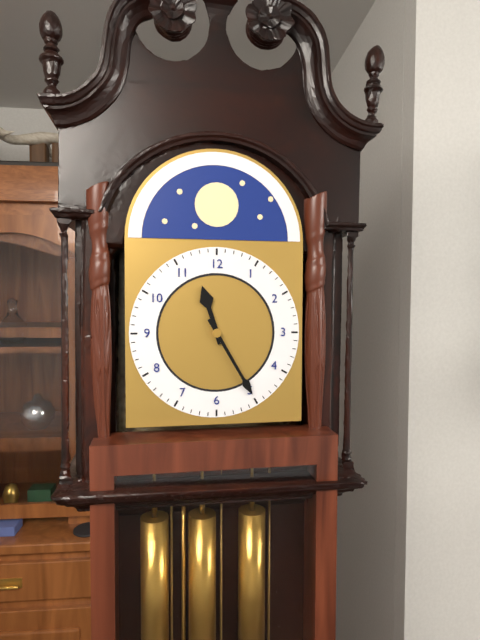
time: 11:25
